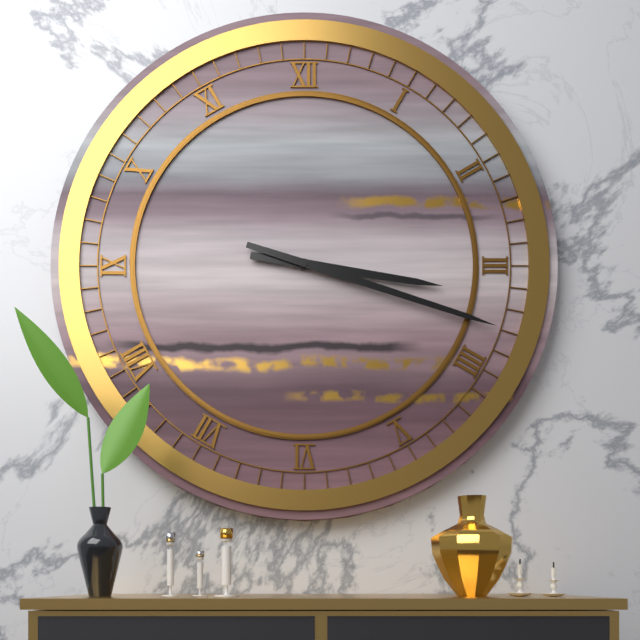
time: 3:18
